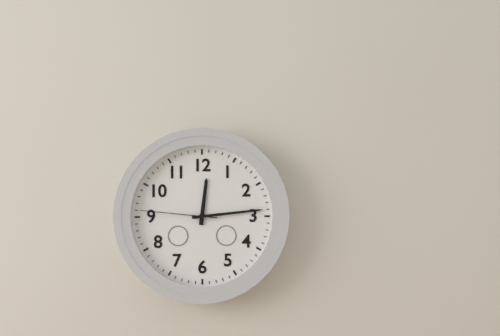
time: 12:14:46
